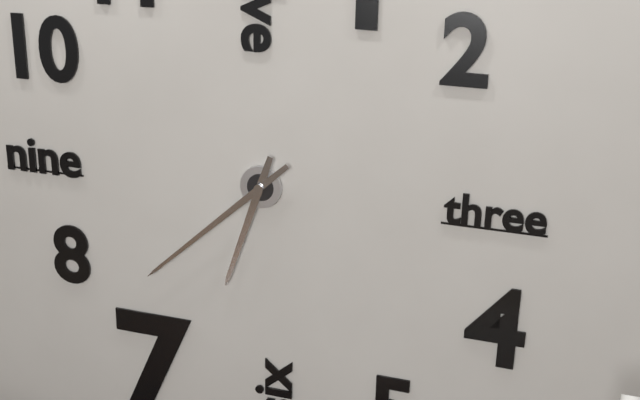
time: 6:38
